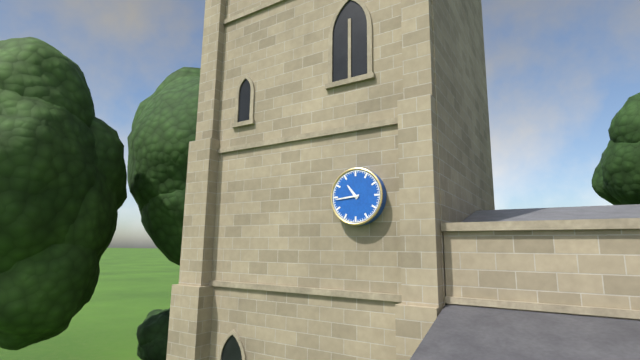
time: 10:44
